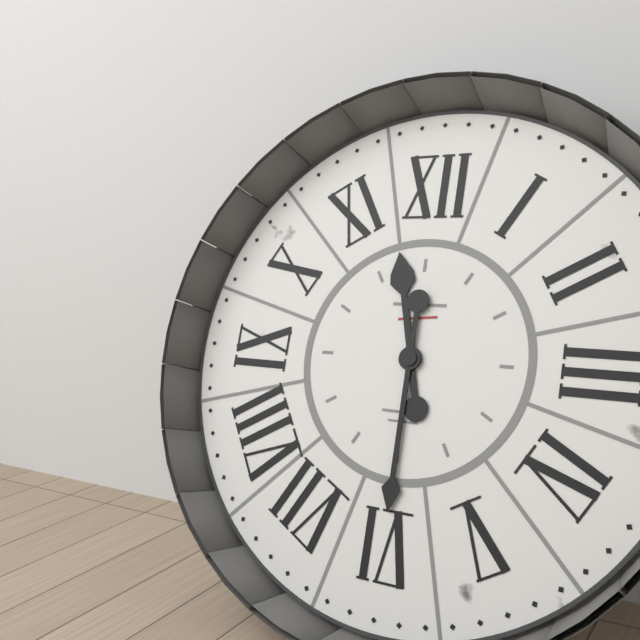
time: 11:30
